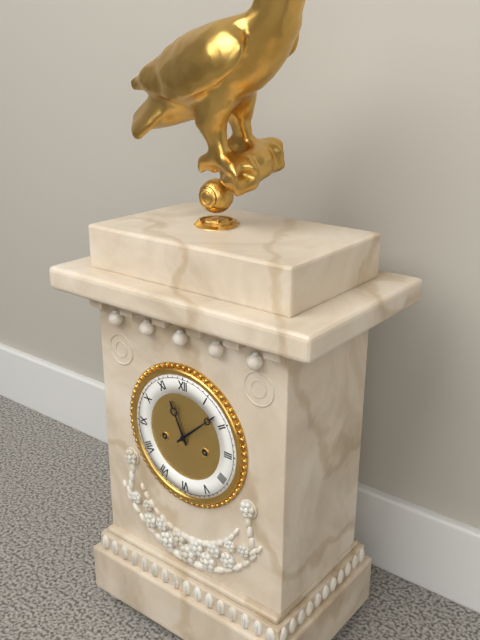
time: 11:08
